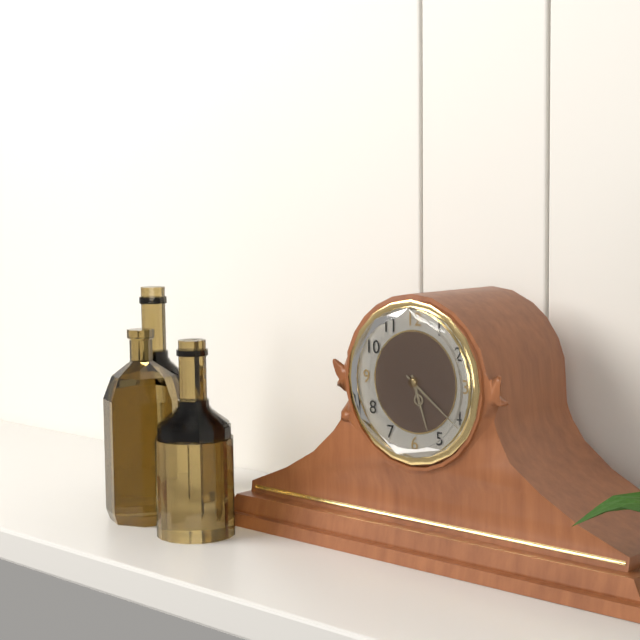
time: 5:21
